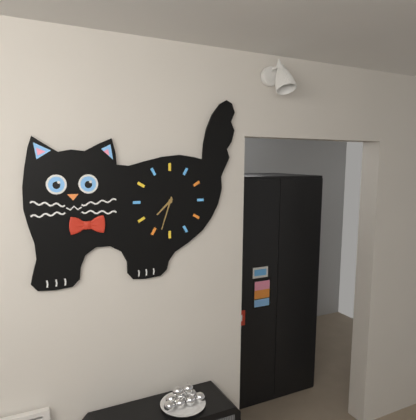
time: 7:33
